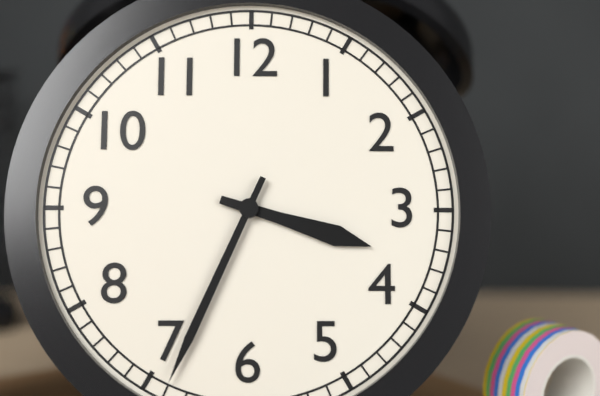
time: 3:34
